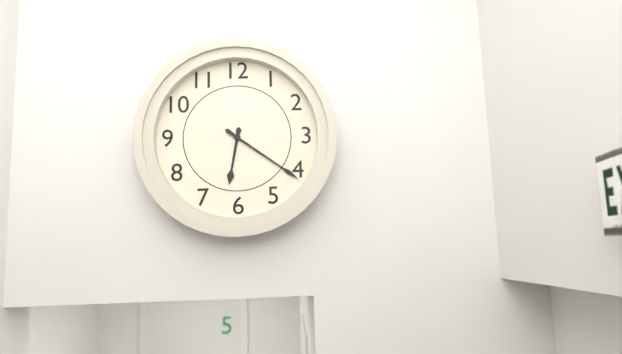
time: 6:21
